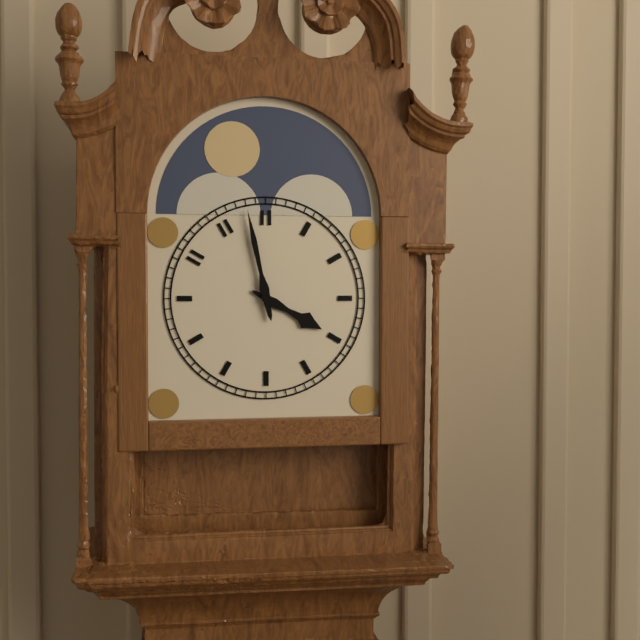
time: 3:58
